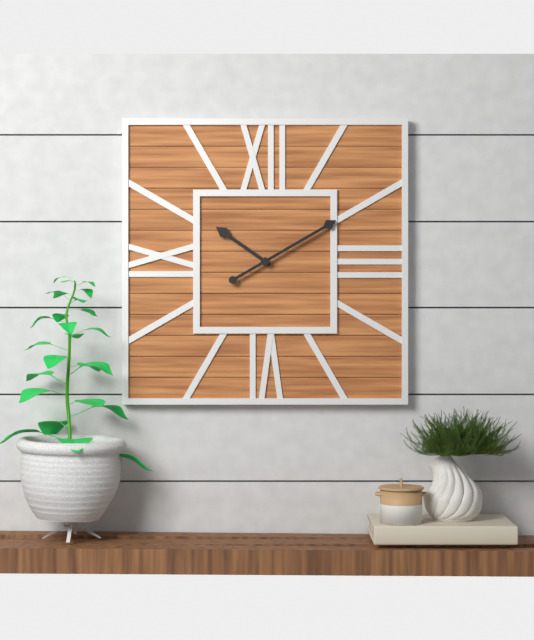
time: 10:10
